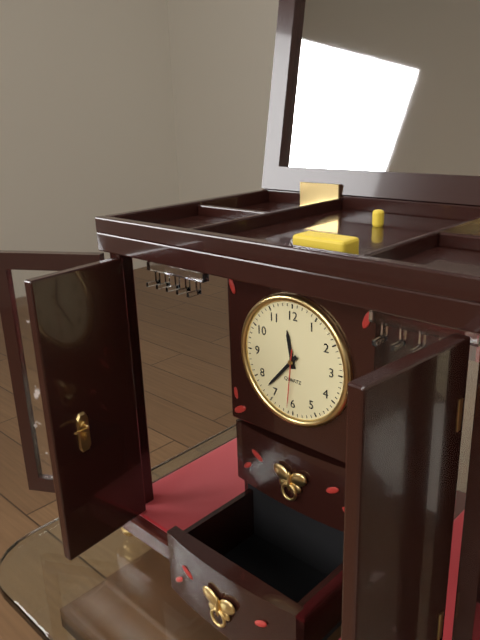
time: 11:37:31
